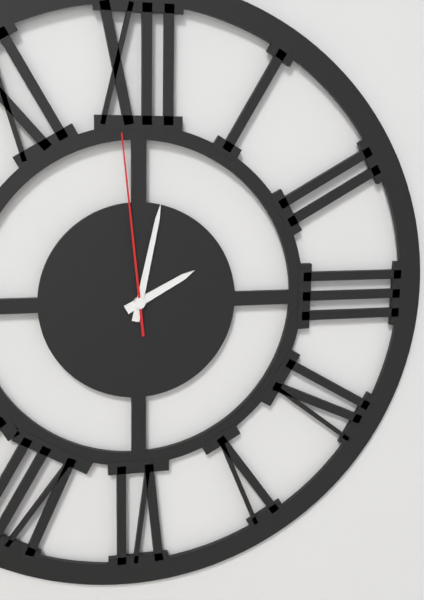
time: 2:02:59
